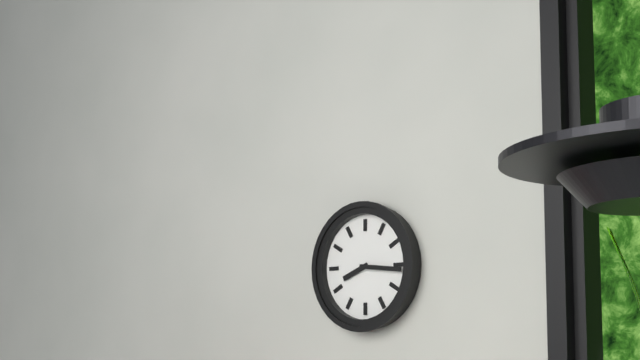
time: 8:16
